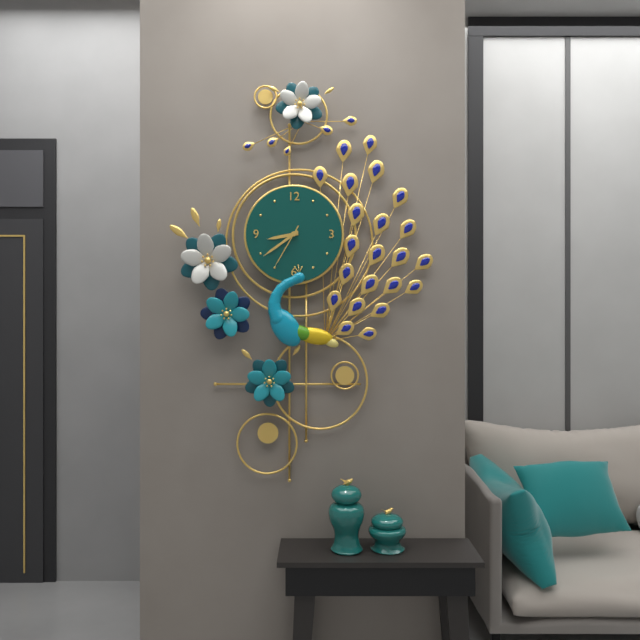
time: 8:39:35
